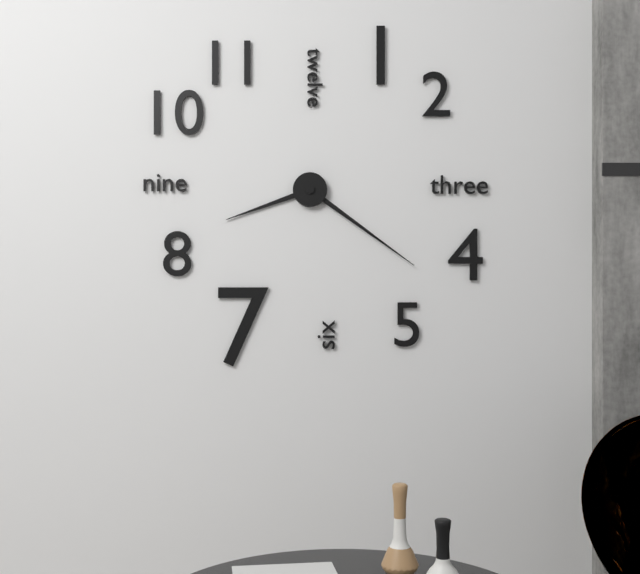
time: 8:21
